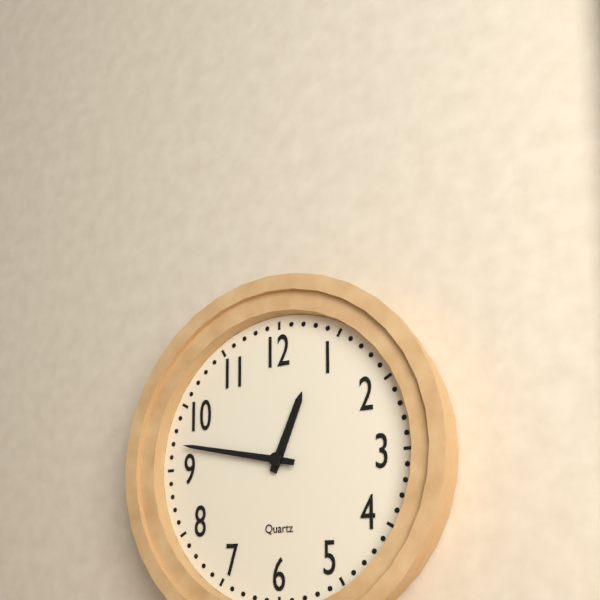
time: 12:47
